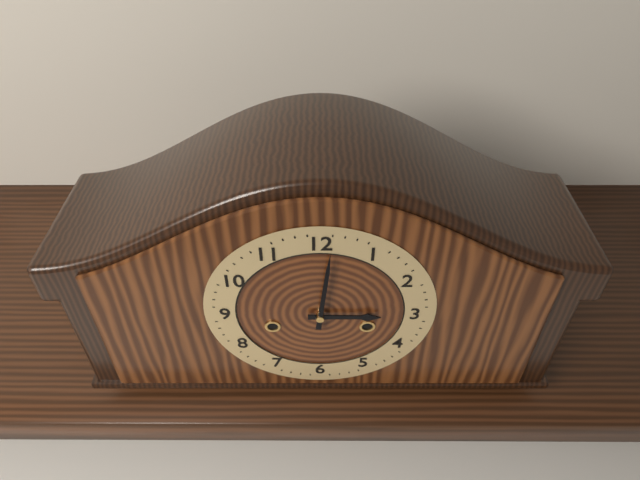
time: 3:01
